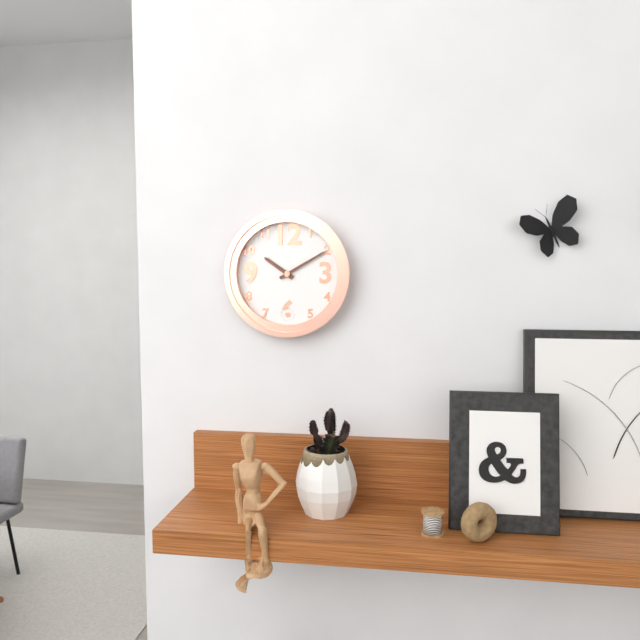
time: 10:10
